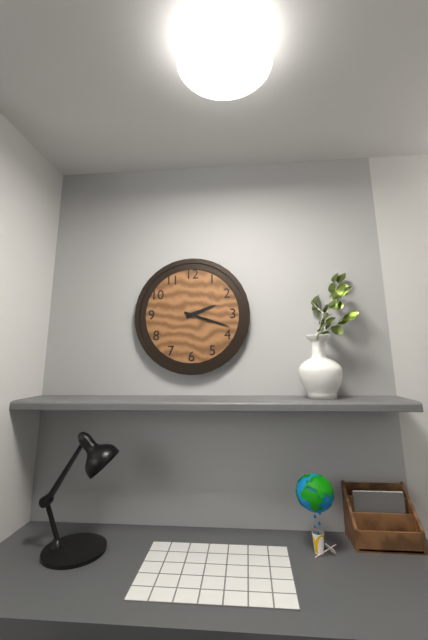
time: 2:18
